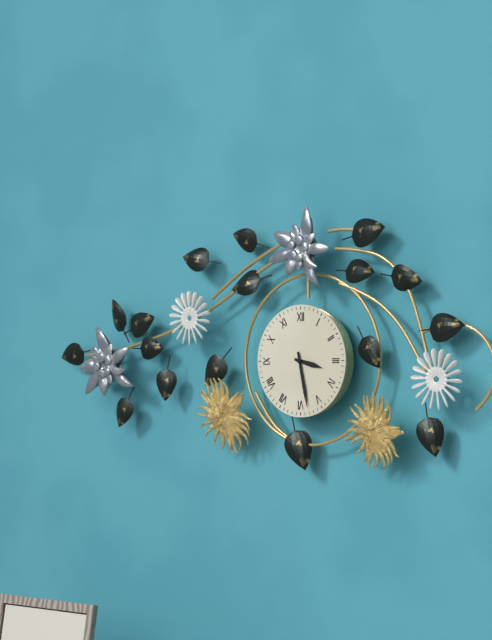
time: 3:28
